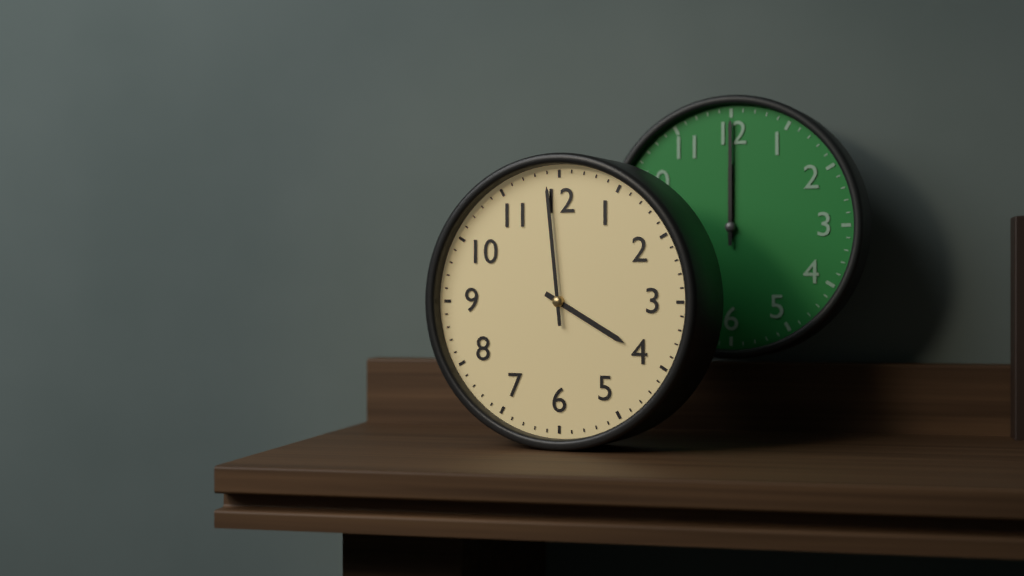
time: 3:59
